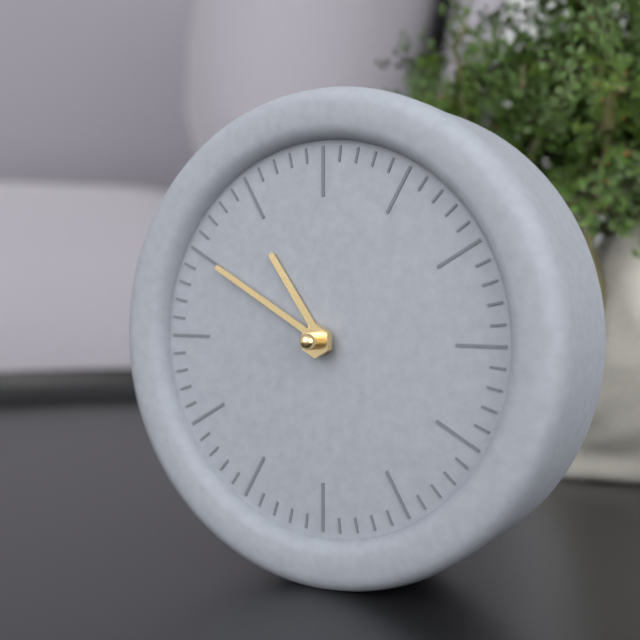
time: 10:50
